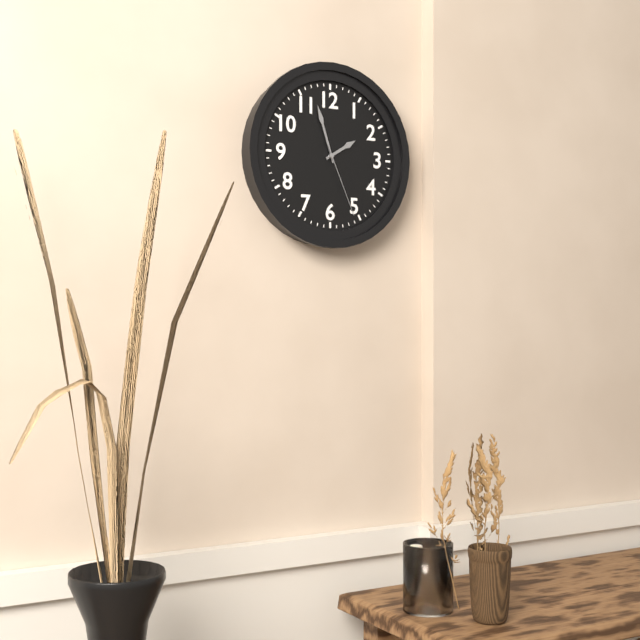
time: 1:57:26
